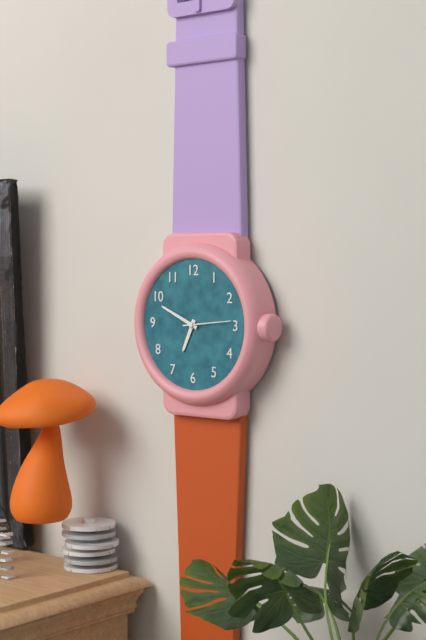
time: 6:49
